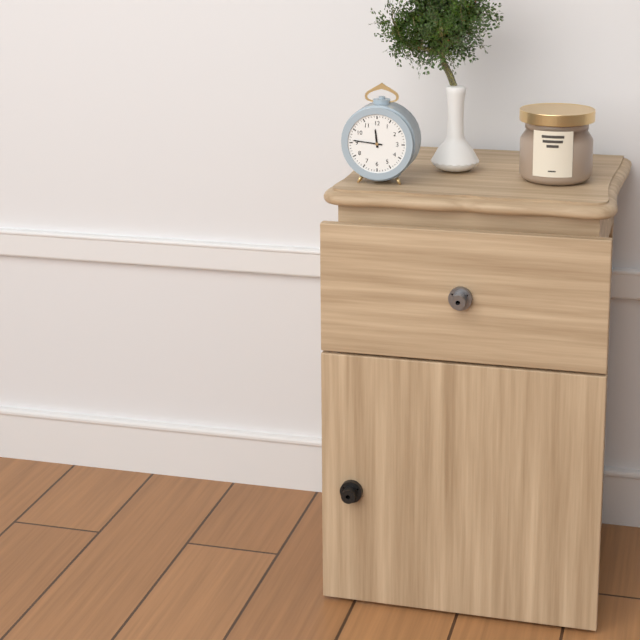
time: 11:46
